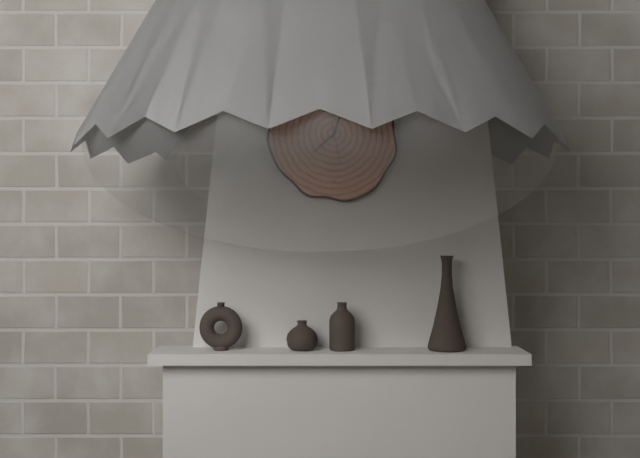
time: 12:38
